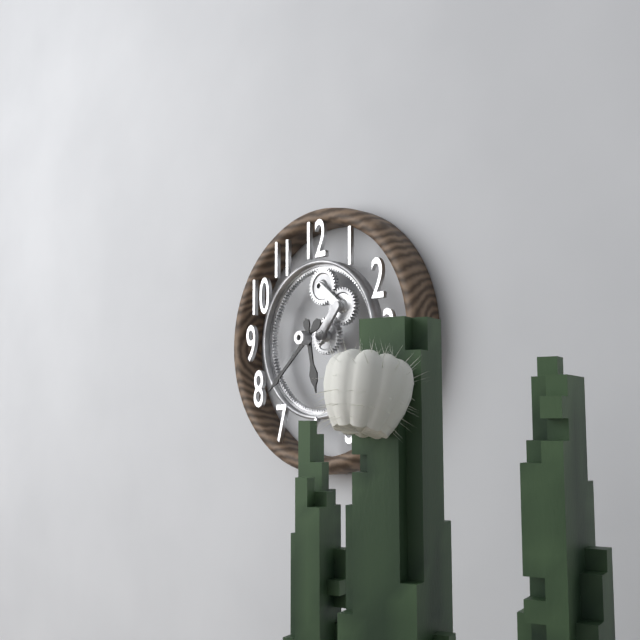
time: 5:38
